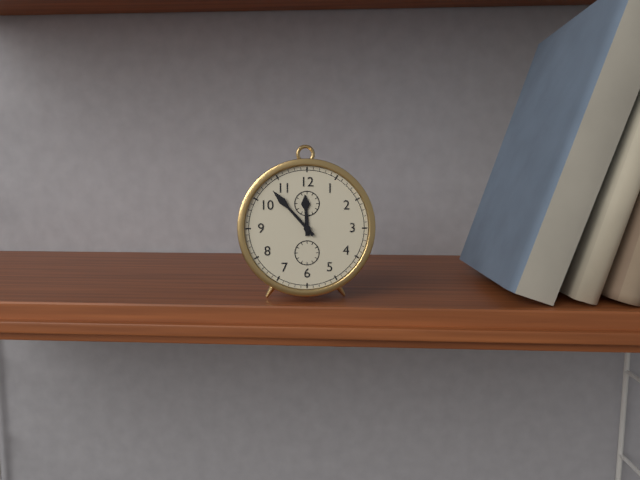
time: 11:53
